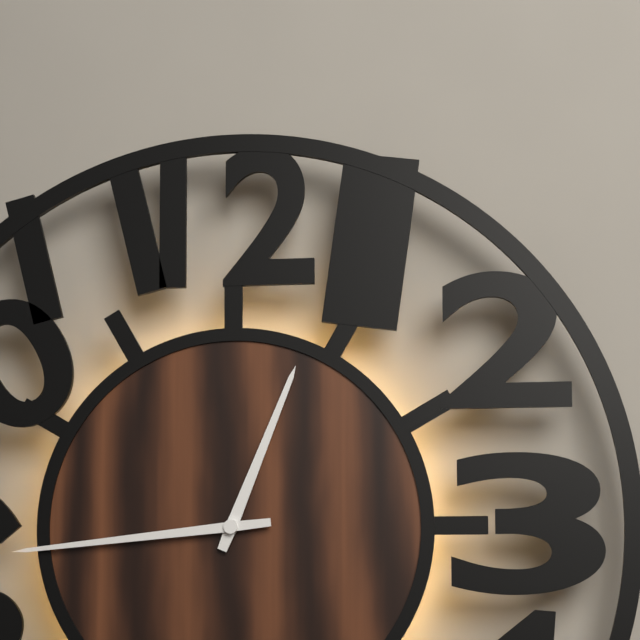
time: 12:44
